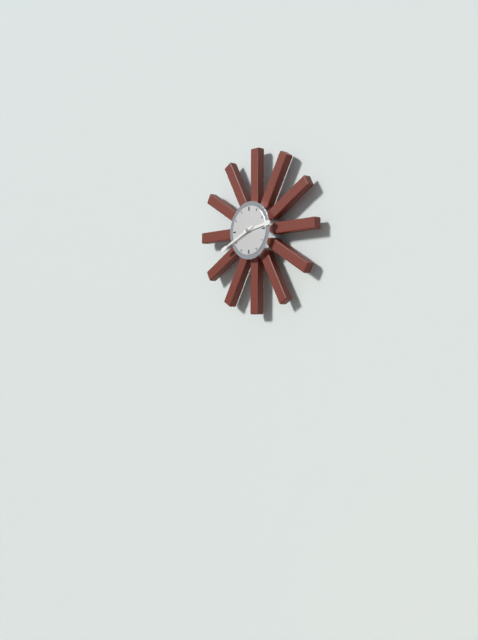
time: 2:41
